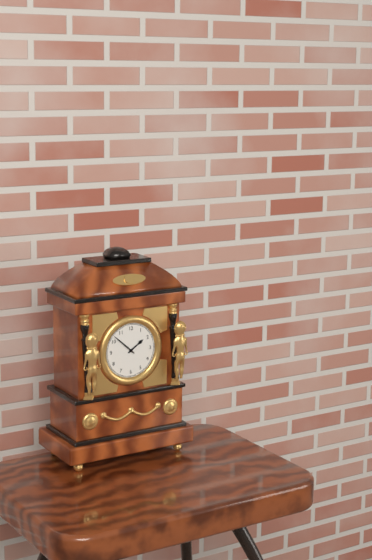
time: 1:52
